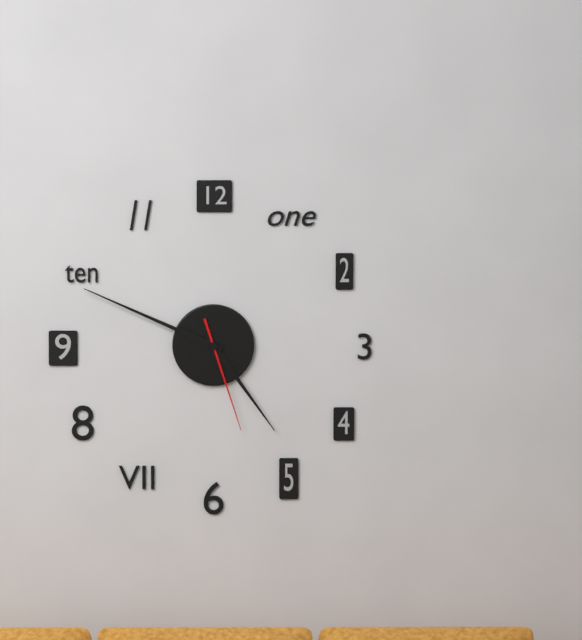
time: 4:49:27
